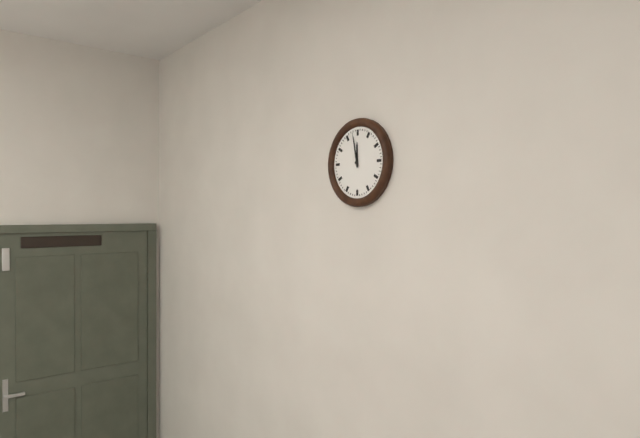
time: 11:58
